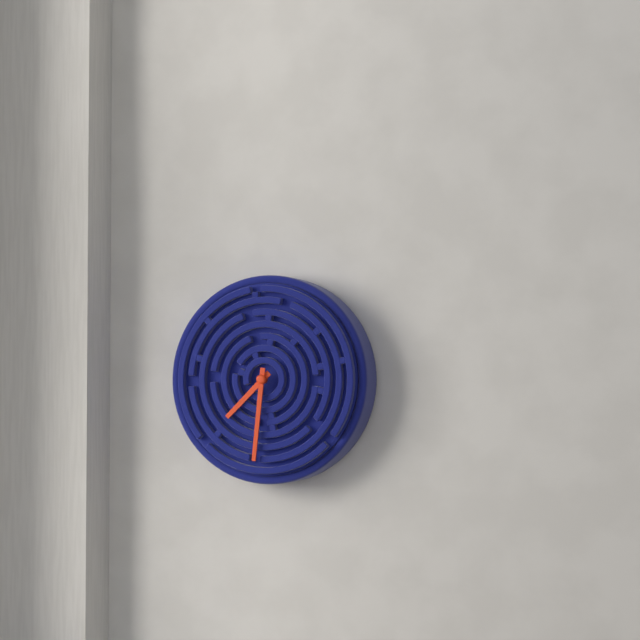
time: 7:31
